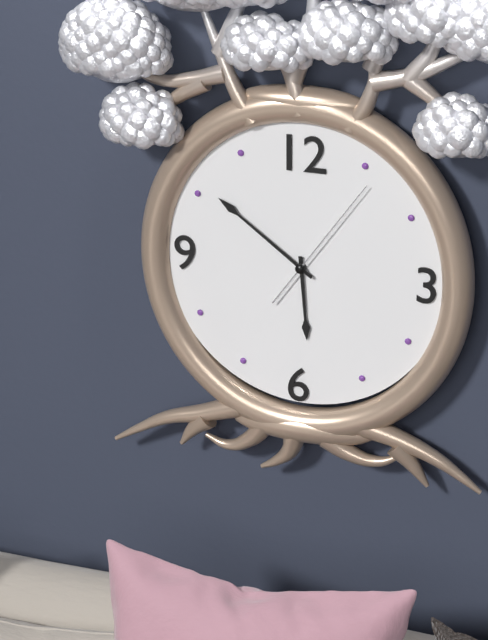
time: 5:51:06
